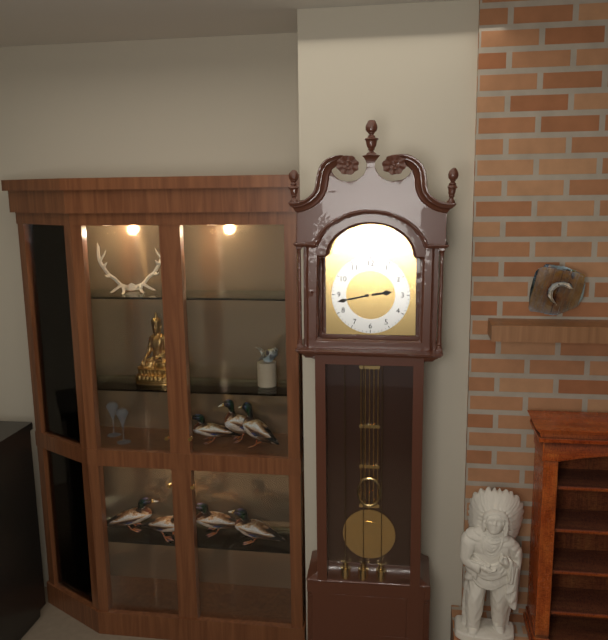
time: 2:43
